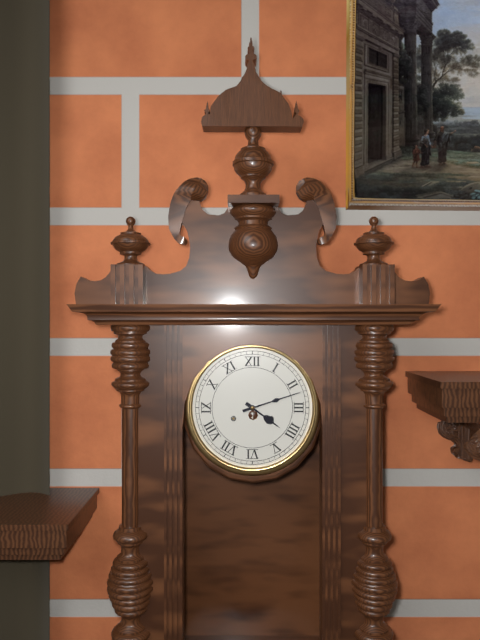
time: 4:12
